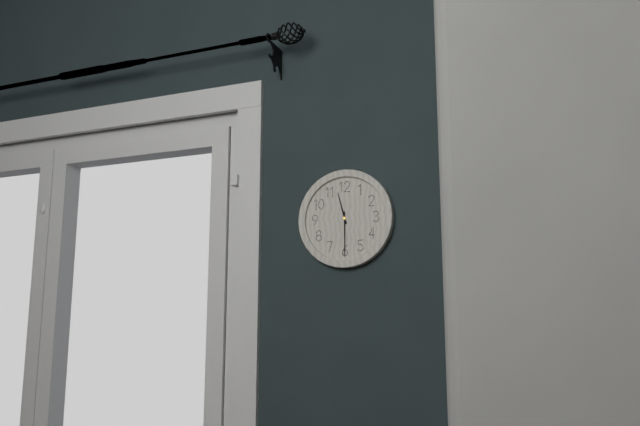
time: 11:30
